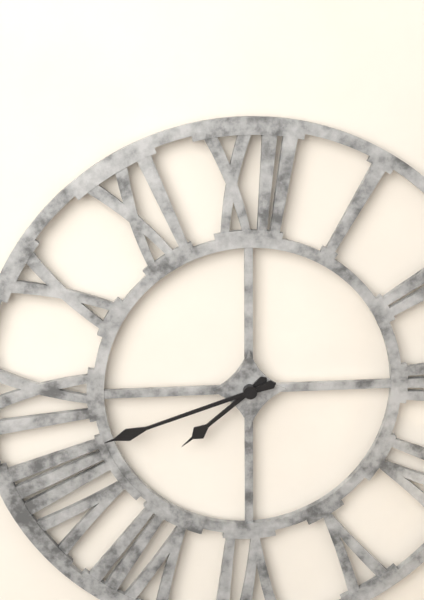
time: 7:42
